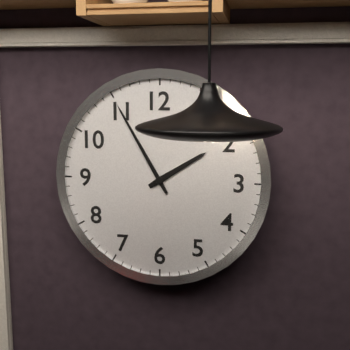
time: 1:55
